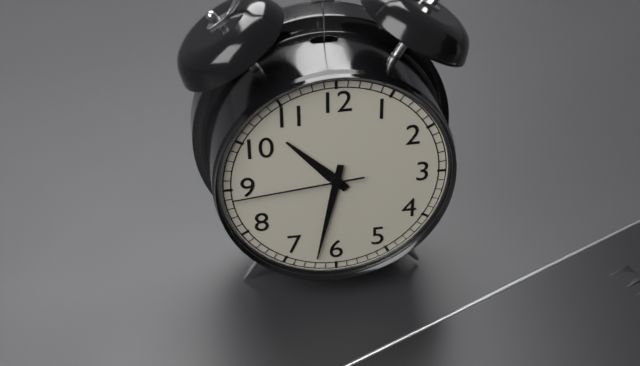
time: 10:32:44
